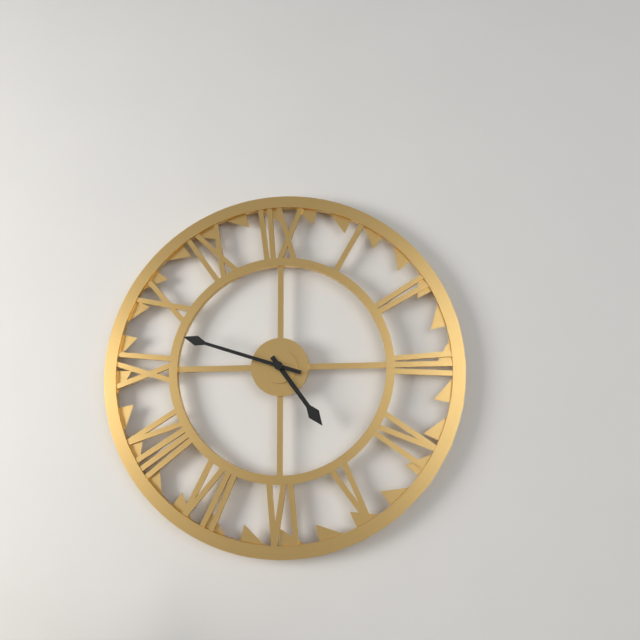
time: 4:48
